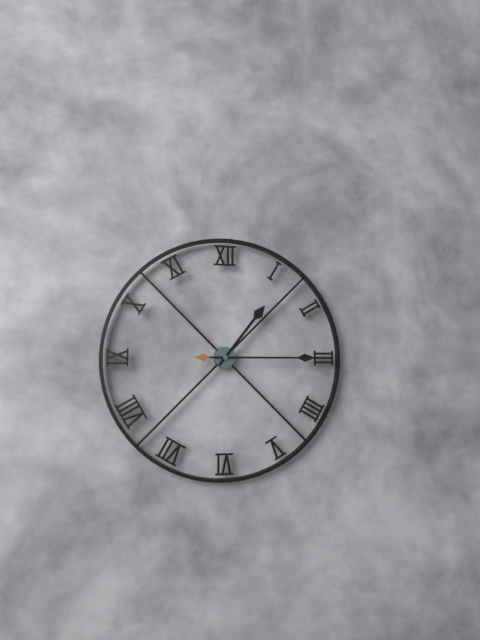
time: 1:15
